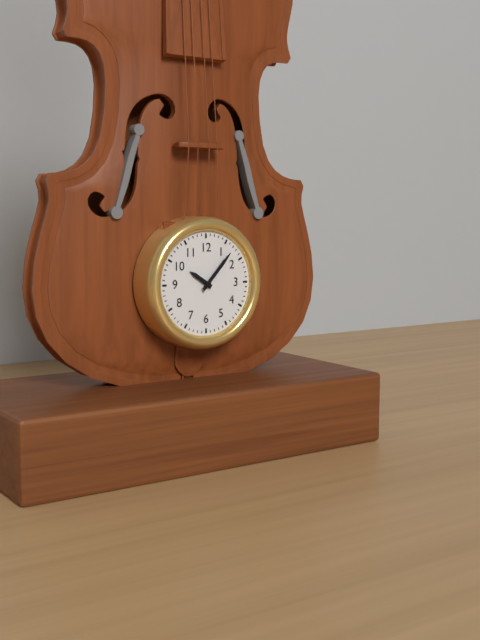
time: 10:07
